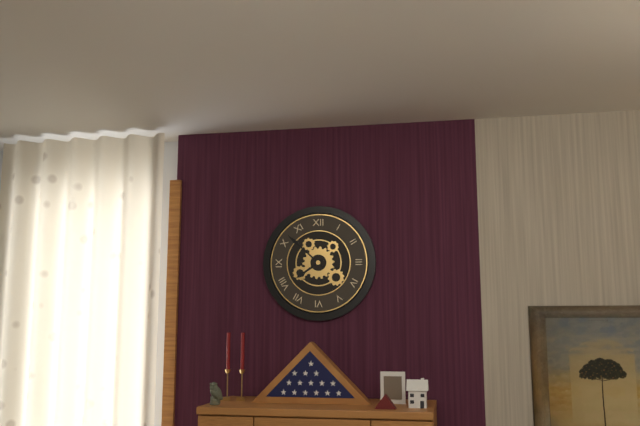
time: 7:52
